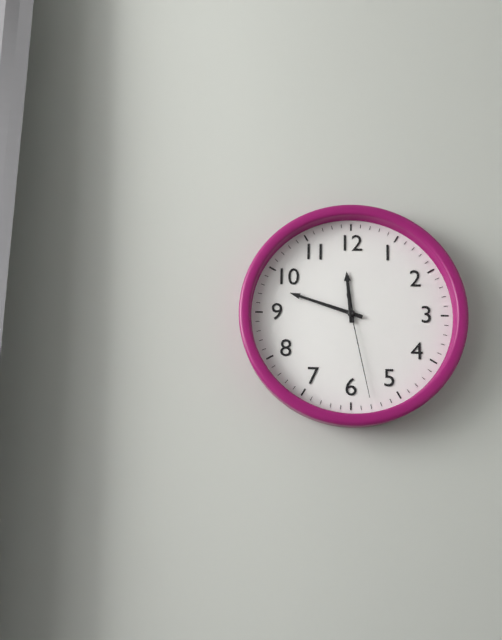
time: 11:48:28
